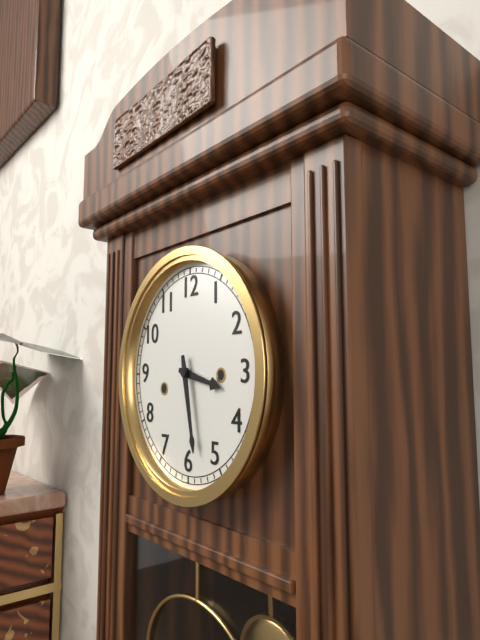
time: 3:28
